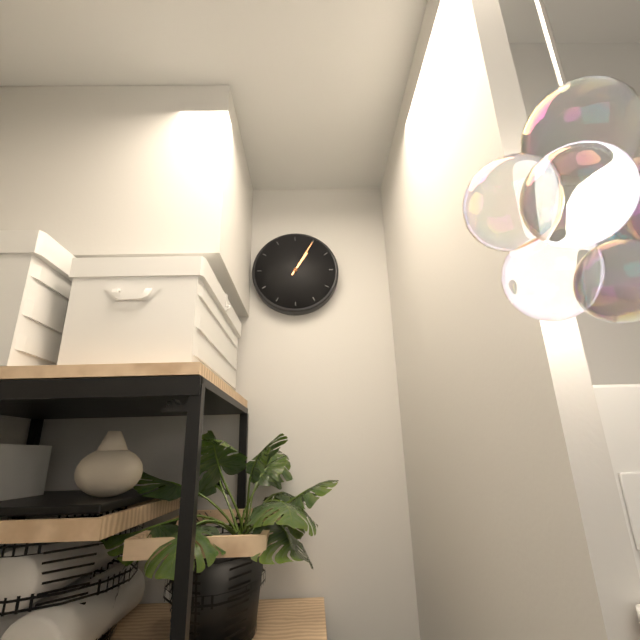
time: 1:05
